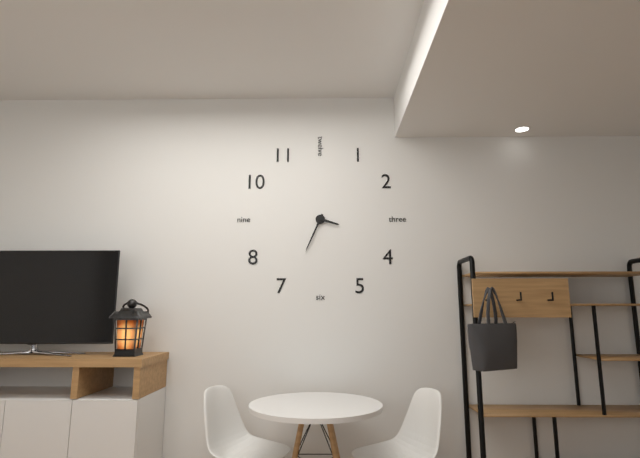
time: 3:34
